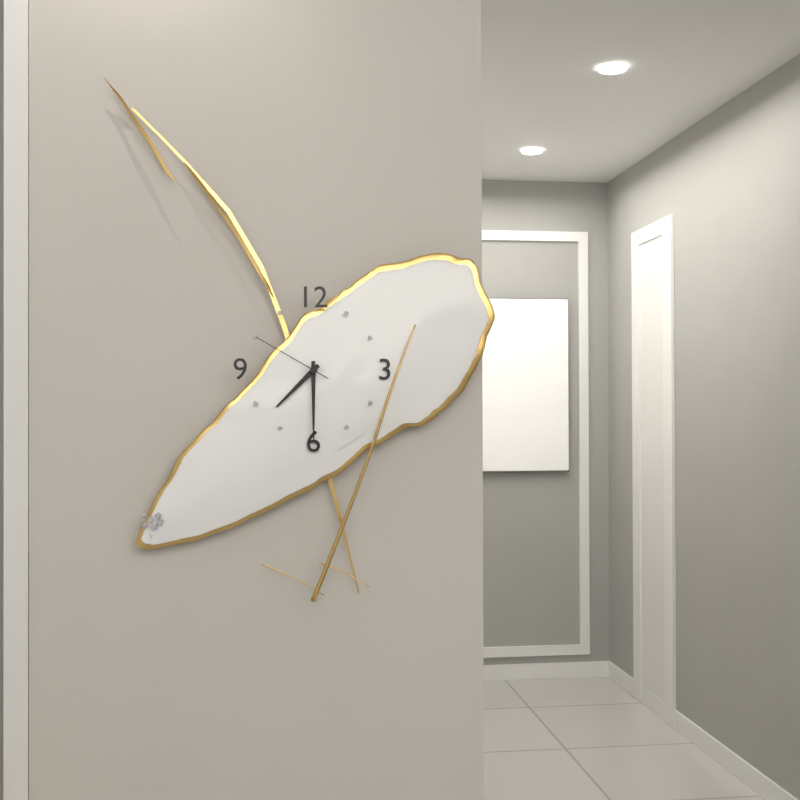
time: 7:30:50
